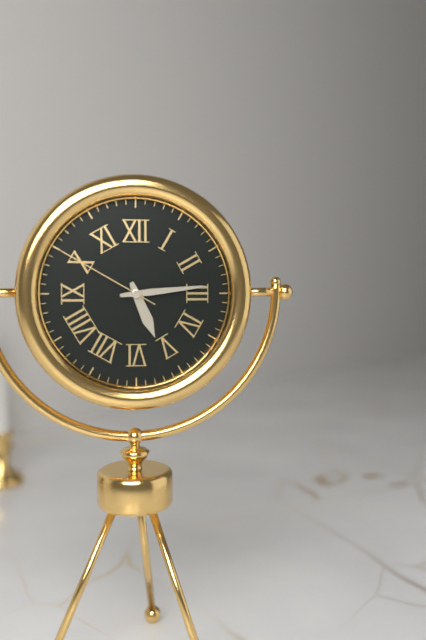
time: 5:14:50
